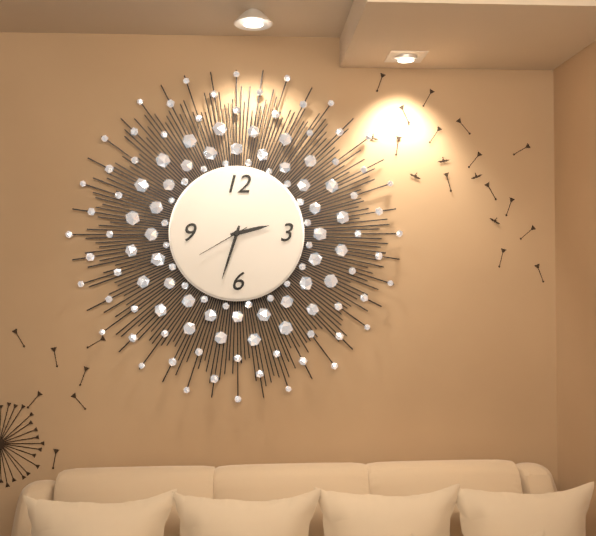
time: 2:33:40
